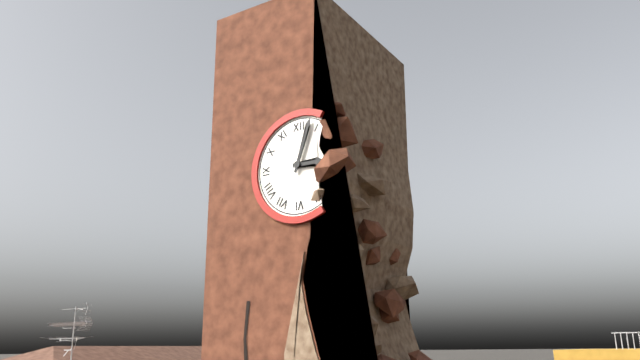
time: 3:03
